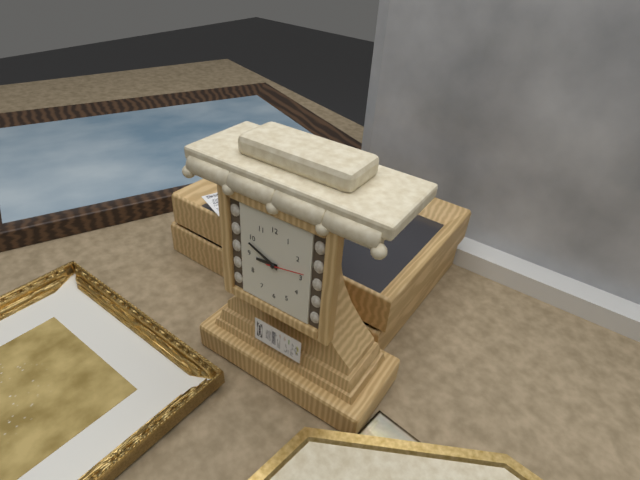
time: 8:49
